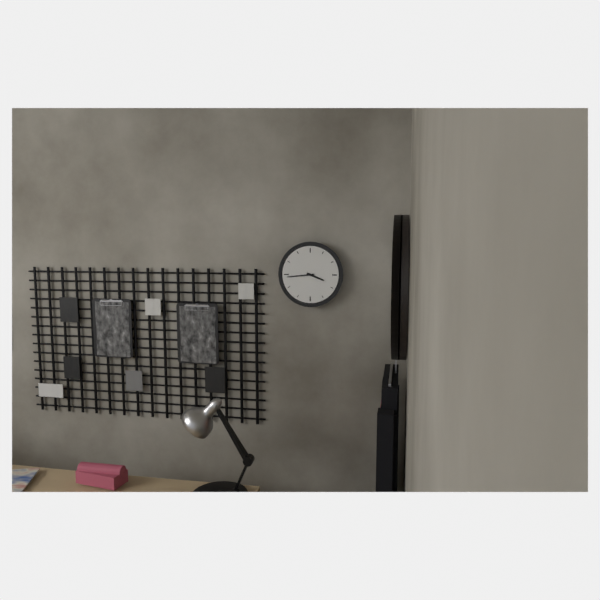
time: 3:44
